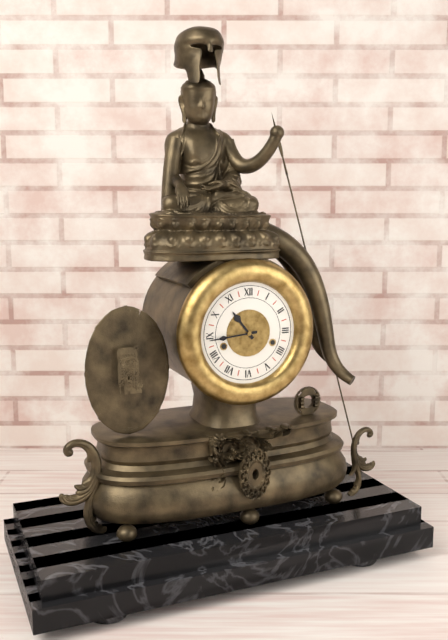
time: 10:44
